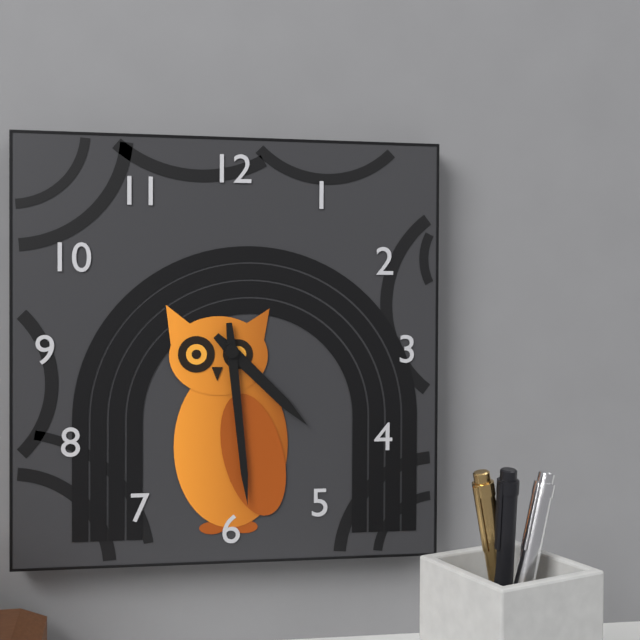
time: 4:29
